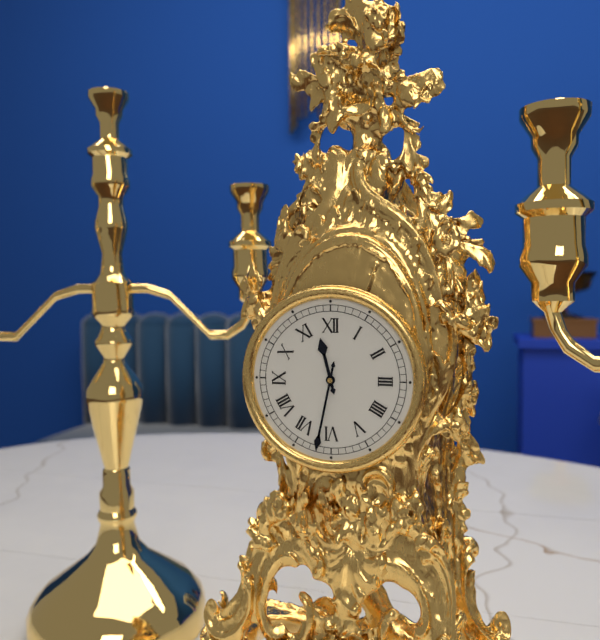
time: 11:32
